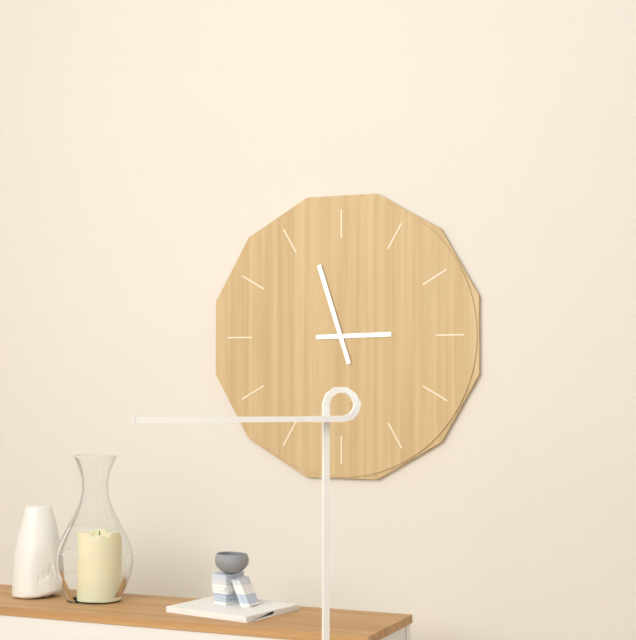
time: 2:57
